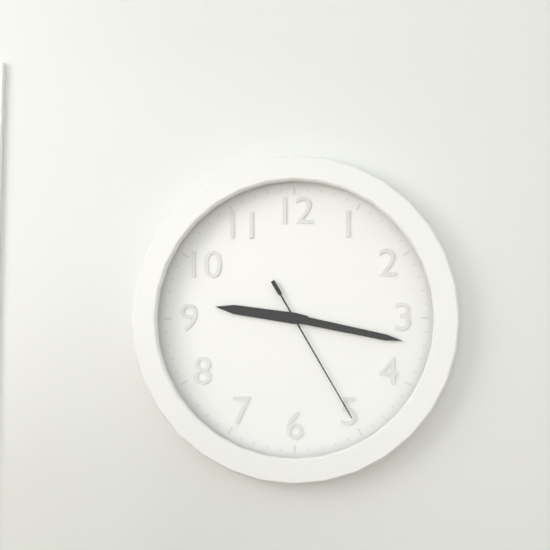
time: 9:17:25
